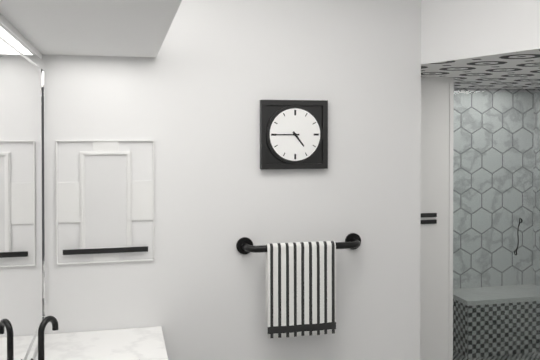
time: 4:45
